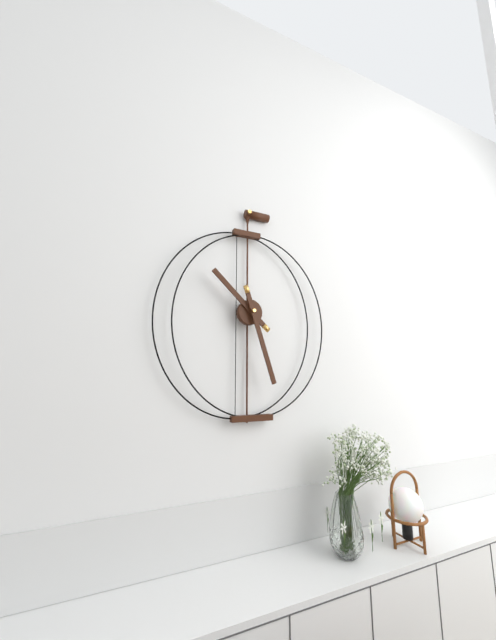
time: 10:27
